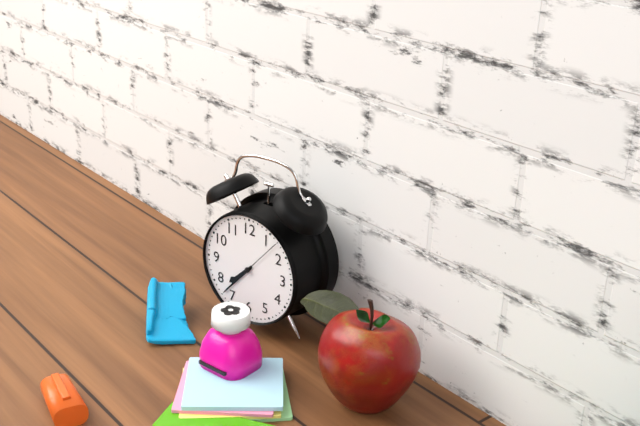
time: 7:37
